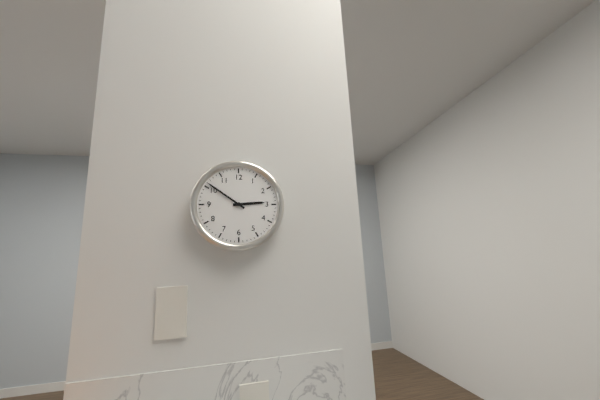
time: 2:51
